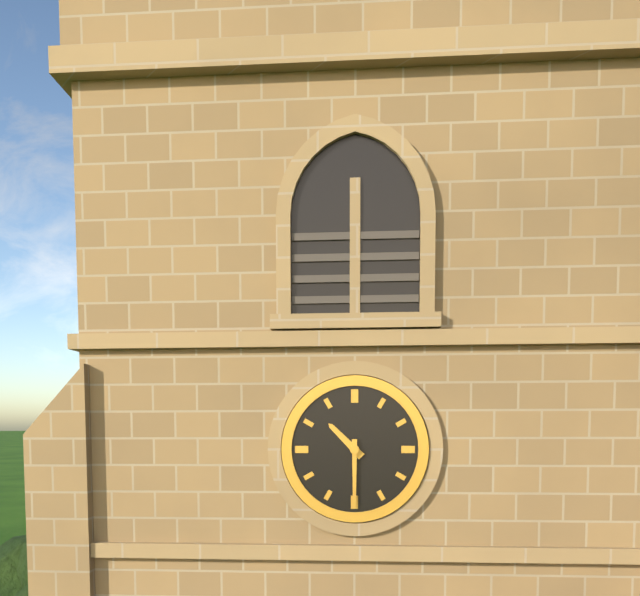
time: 10:30
